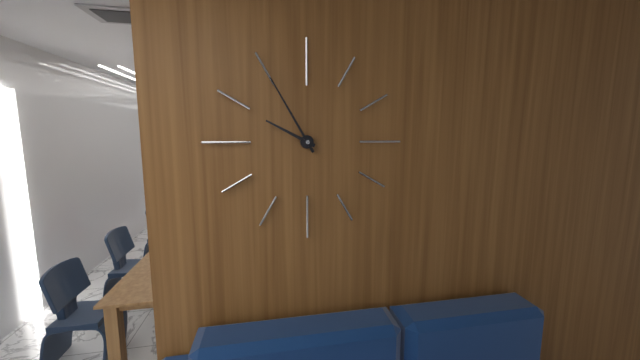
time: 9:55
